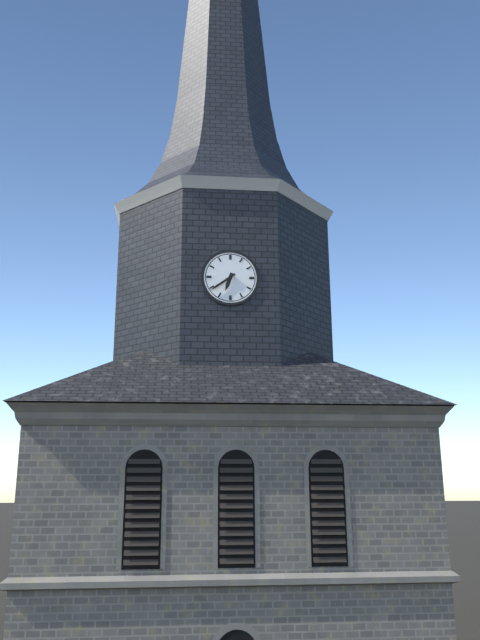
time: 6:39
